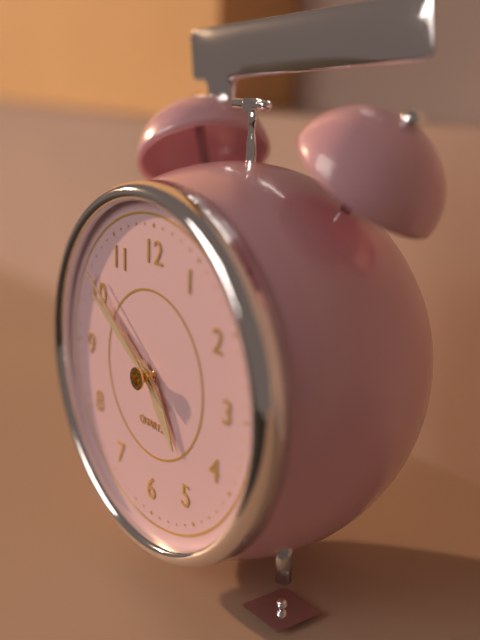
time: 4:50:51
